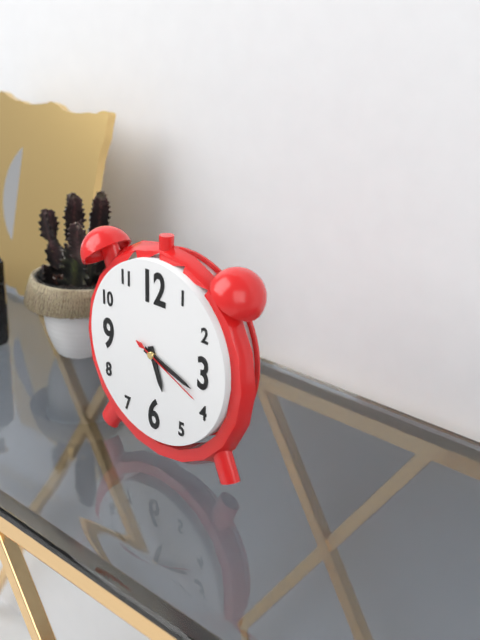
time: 5:18:19
